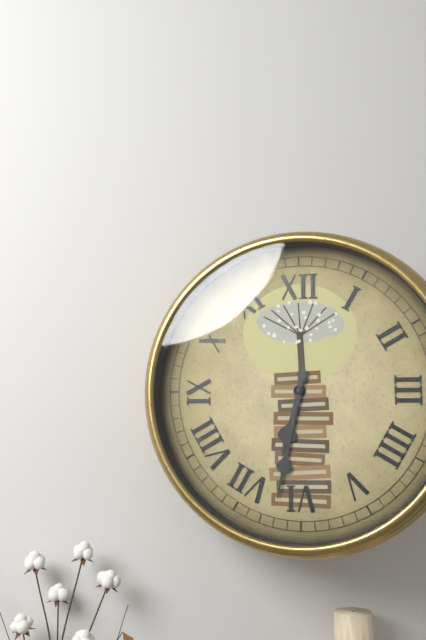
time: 6:32
